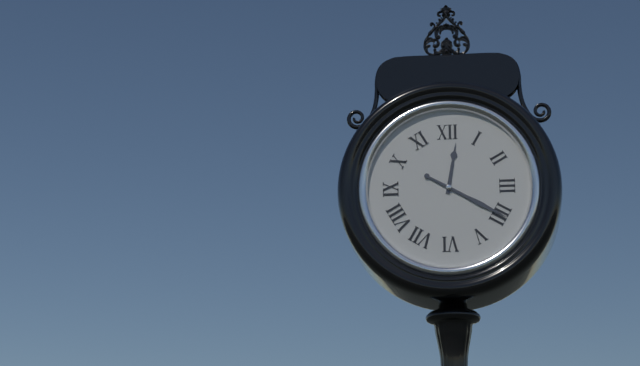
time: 12:20
